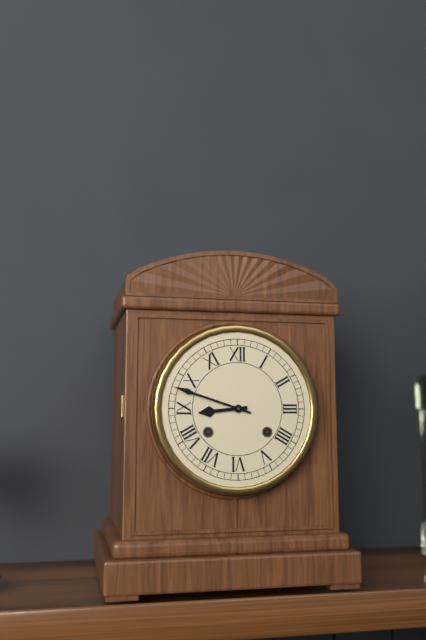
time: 8:48
